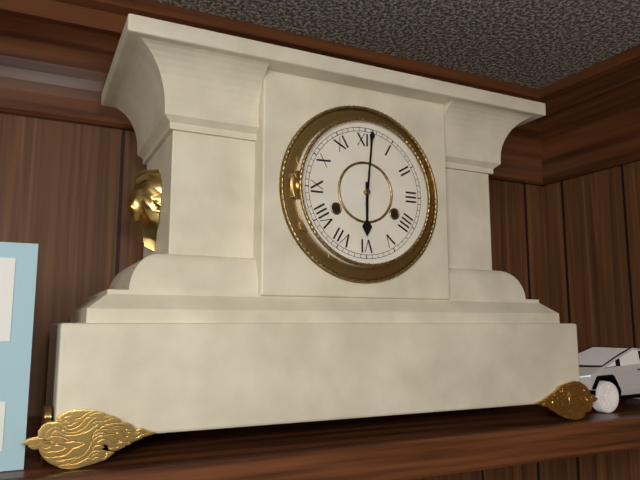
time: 6:01
